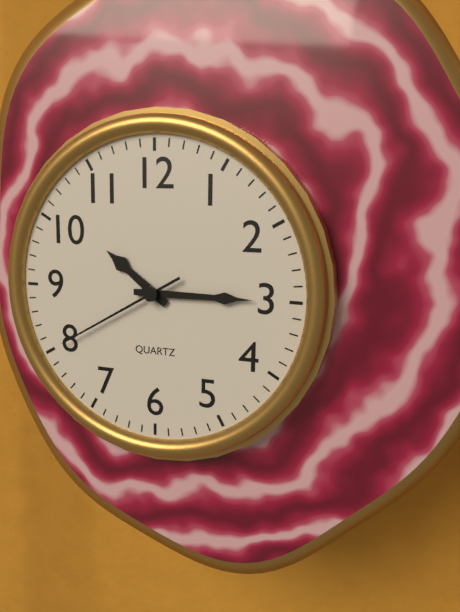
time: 10:15:40
